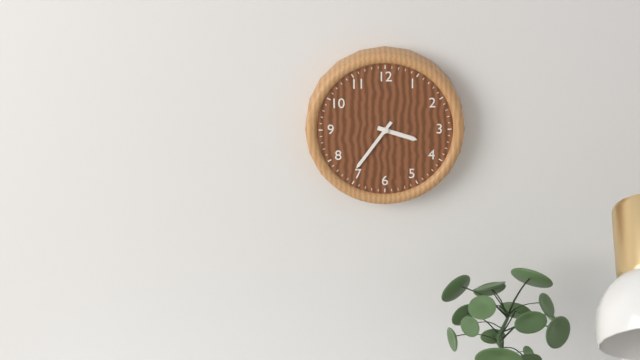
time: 3:36
